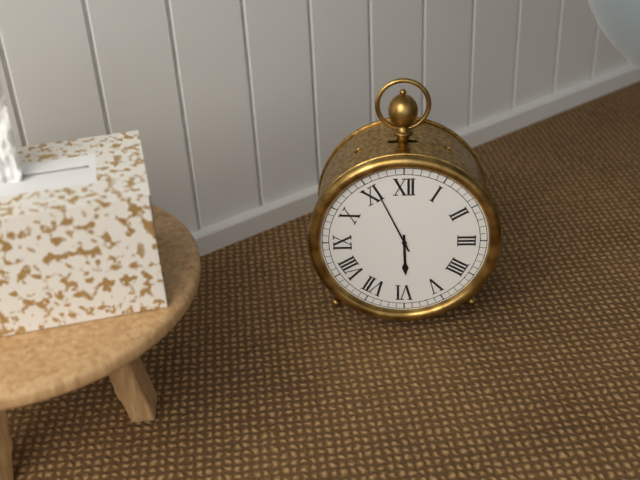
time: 5:56
